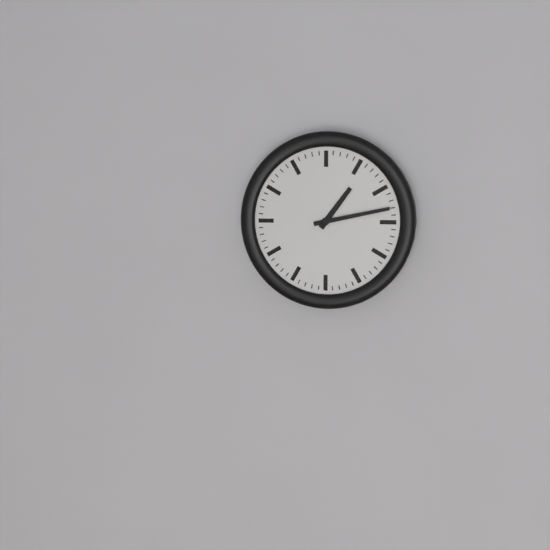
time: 1:13
